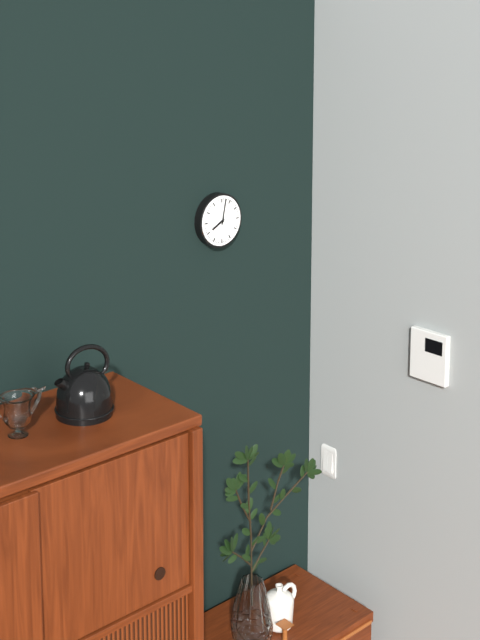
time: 8:02
